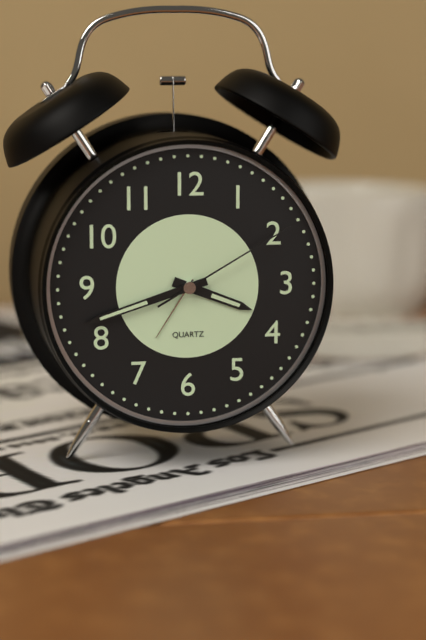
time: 3:42:10
